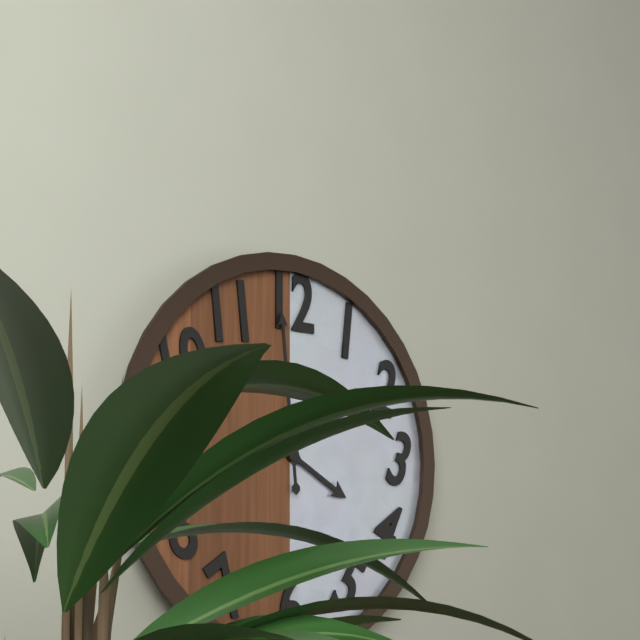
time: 3:59
